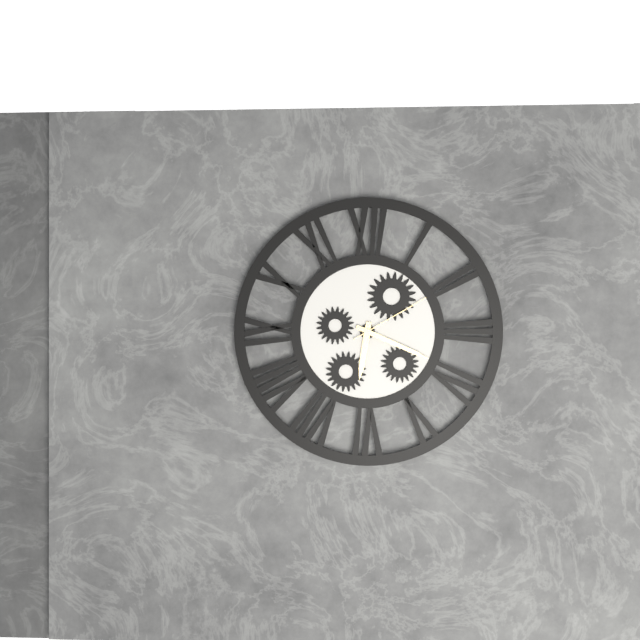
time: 6:19:10
